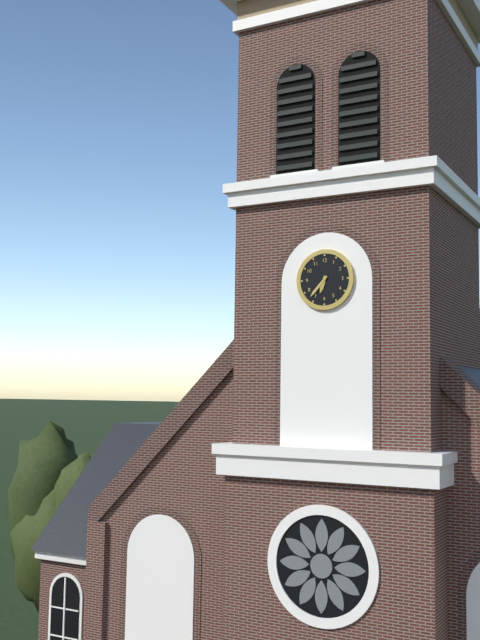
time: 6:37
